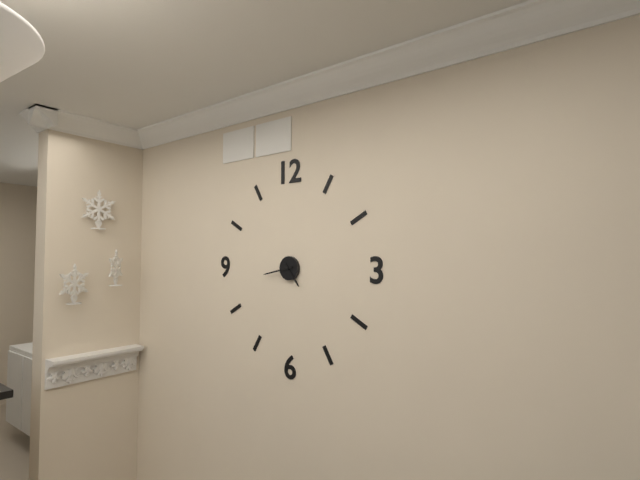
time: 4:43
